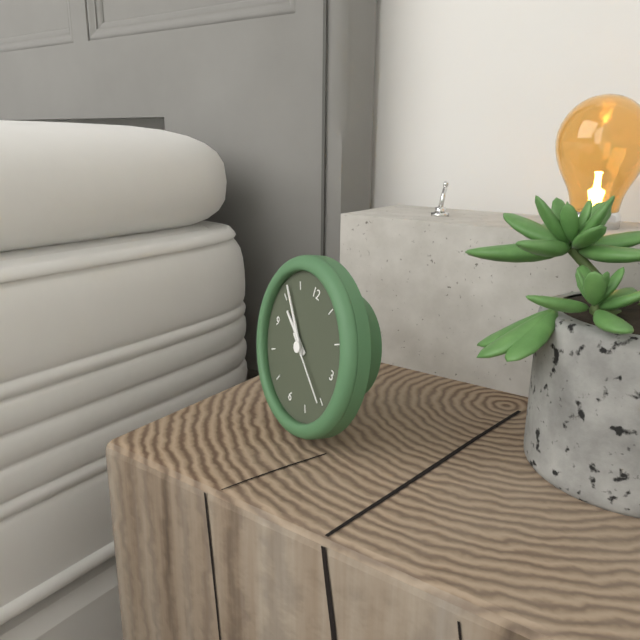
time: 9:52:20
